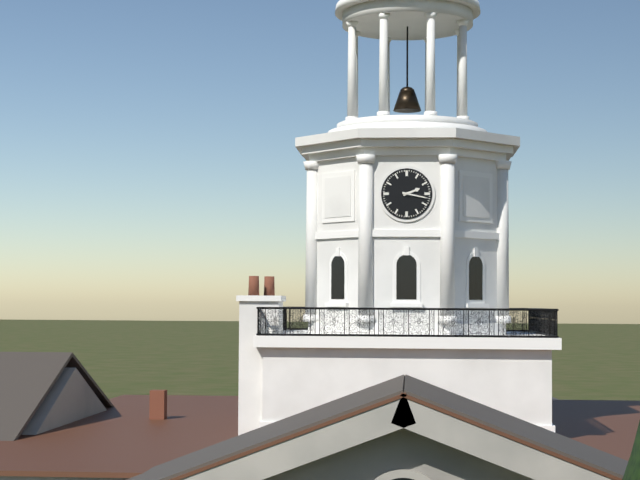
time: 2:17
